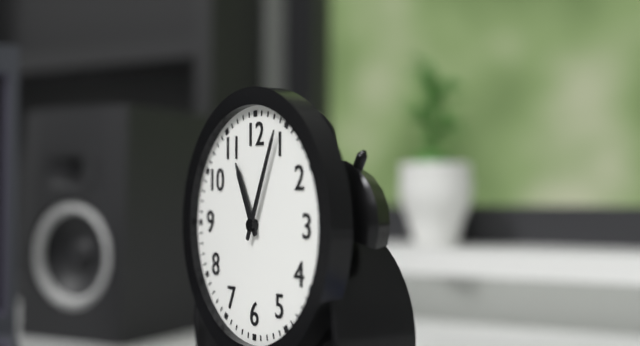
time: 11:04
